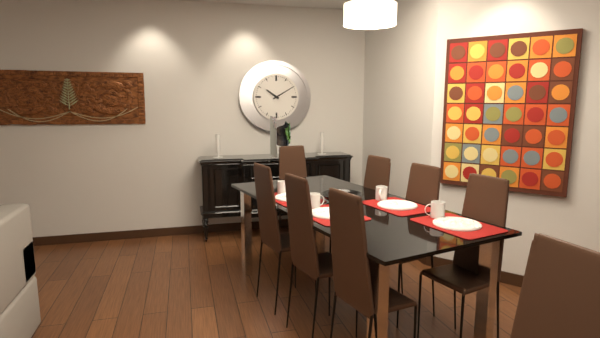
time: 10:10
